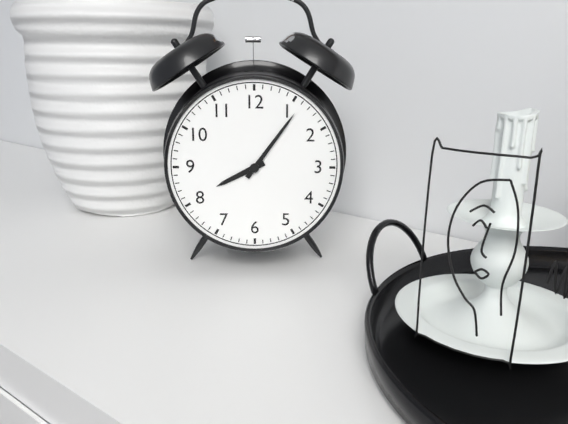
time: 8:06
